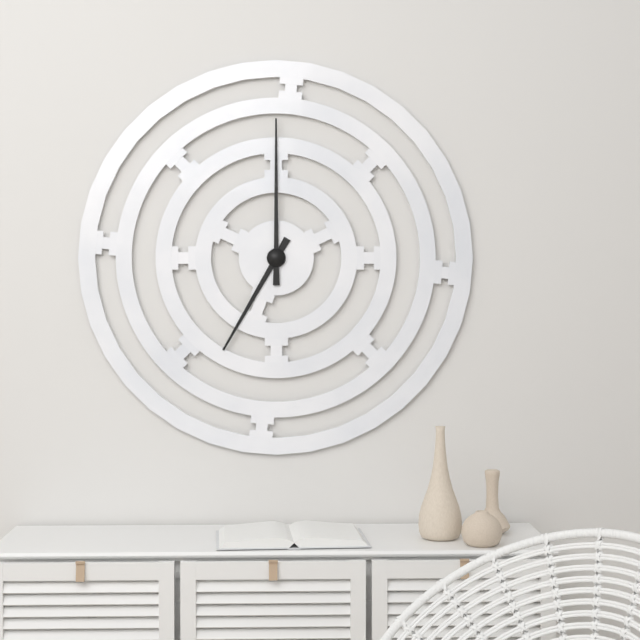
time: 7:00
